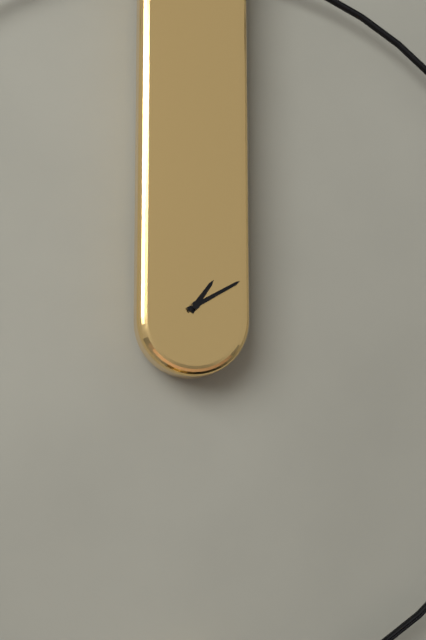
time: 1:10
